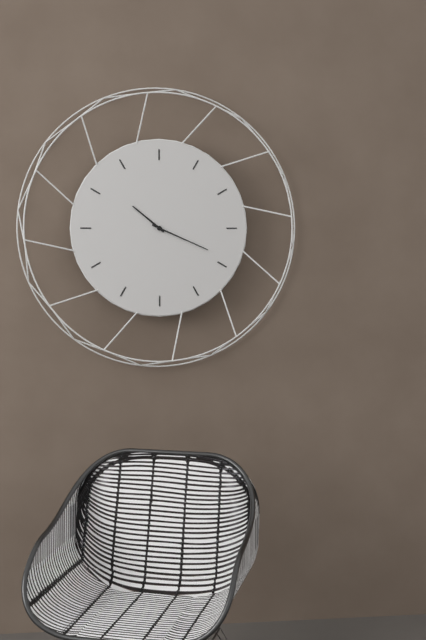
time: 10:19
